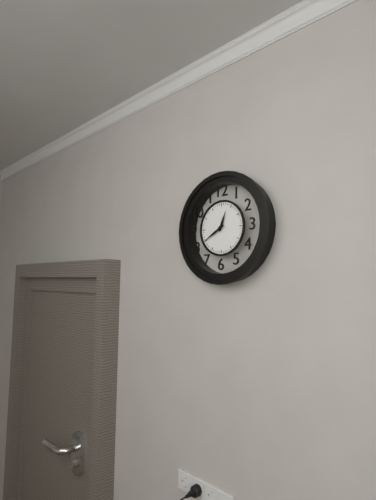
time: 12:40
